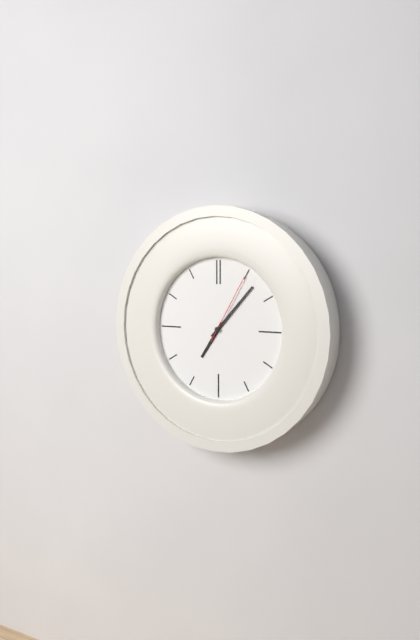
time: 7:07:05
